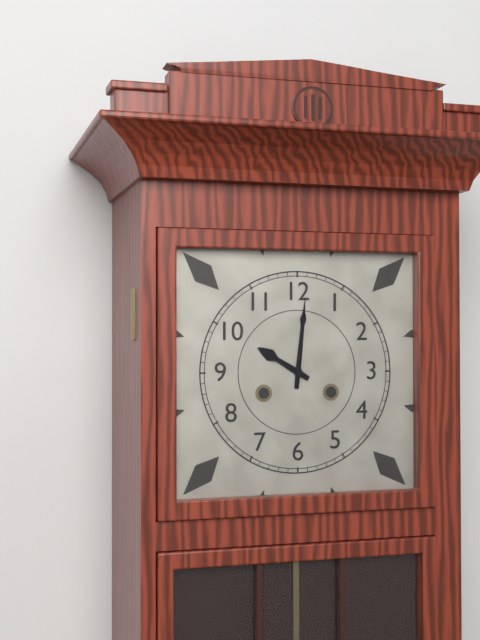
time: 10:01
